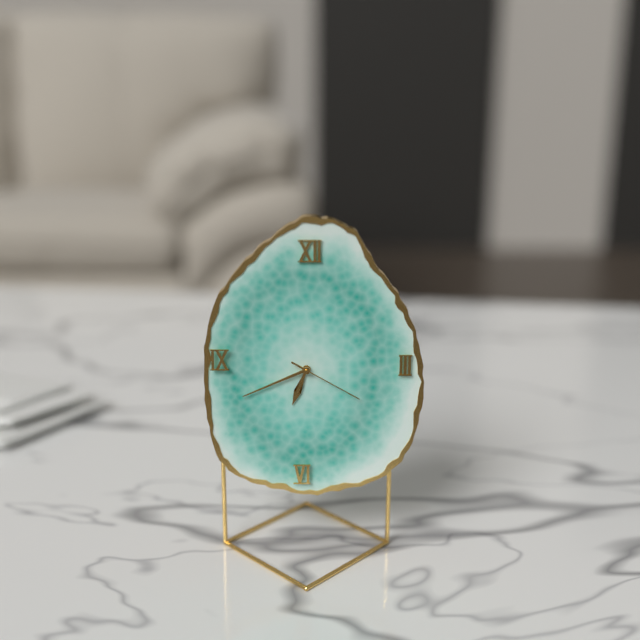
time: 6:41:20
